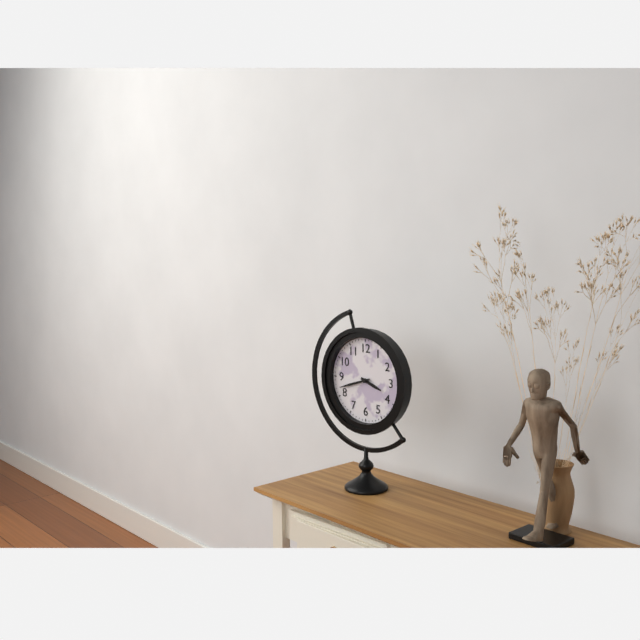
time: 3:42
